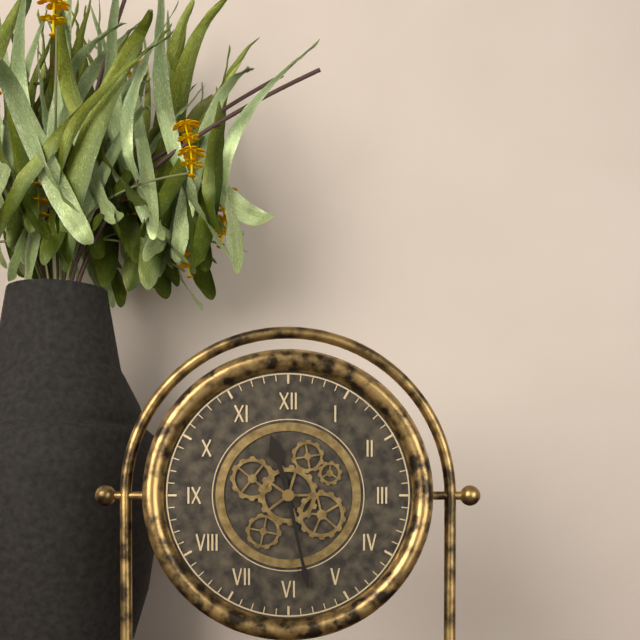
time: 11:28
